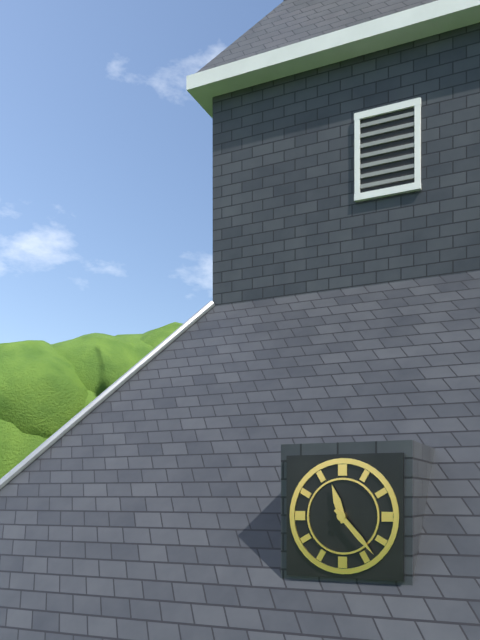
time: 11:23
